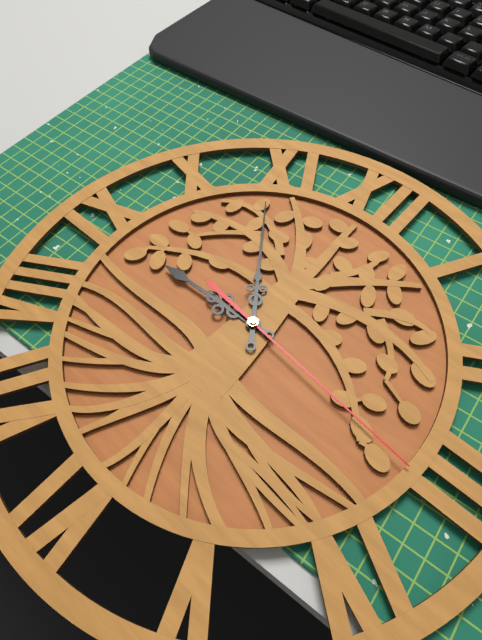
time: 8:54:16
